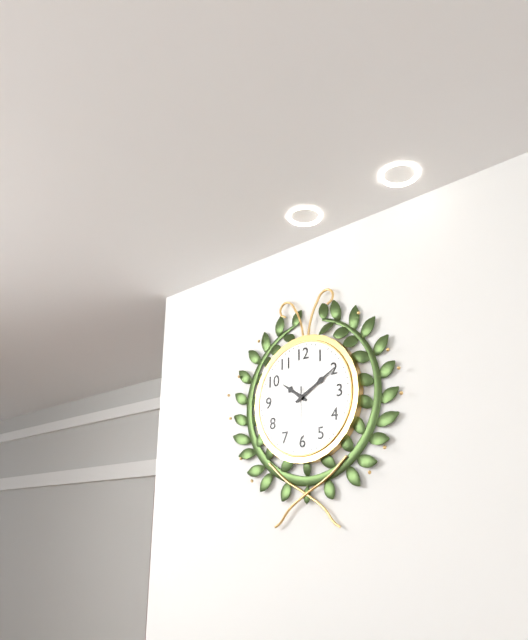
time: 10:10:30
